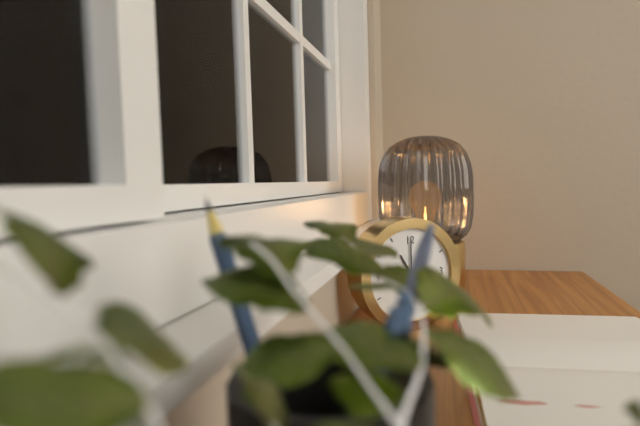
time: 11:00
